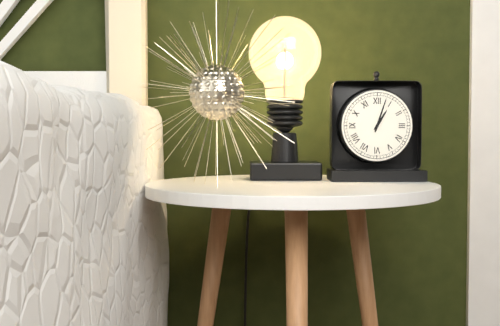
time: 1:03
